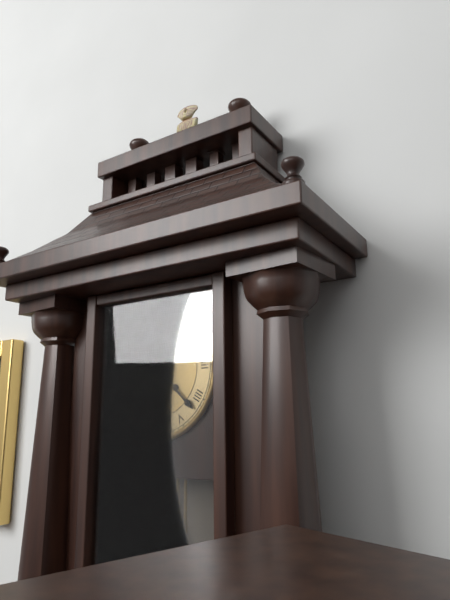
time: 12:22
